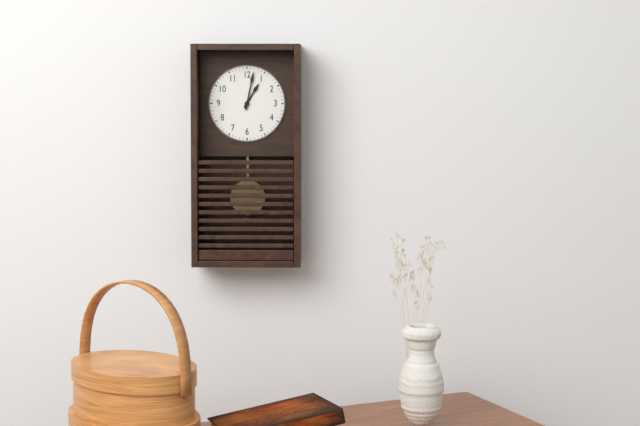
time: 1:02
